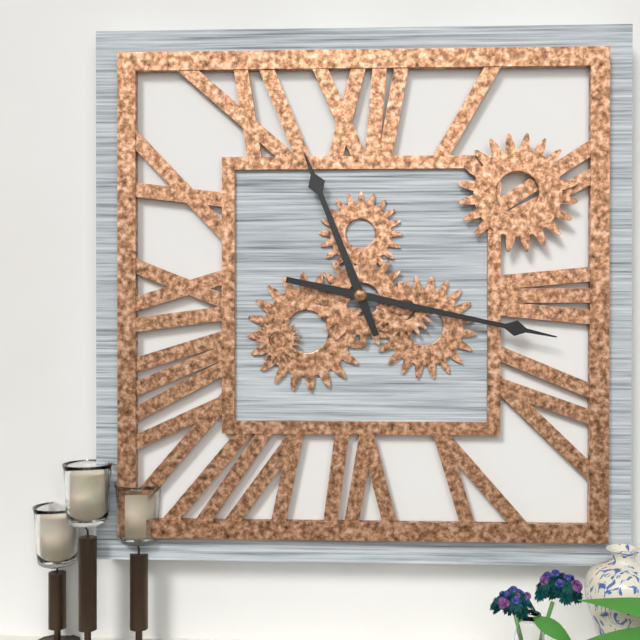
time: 11:17
